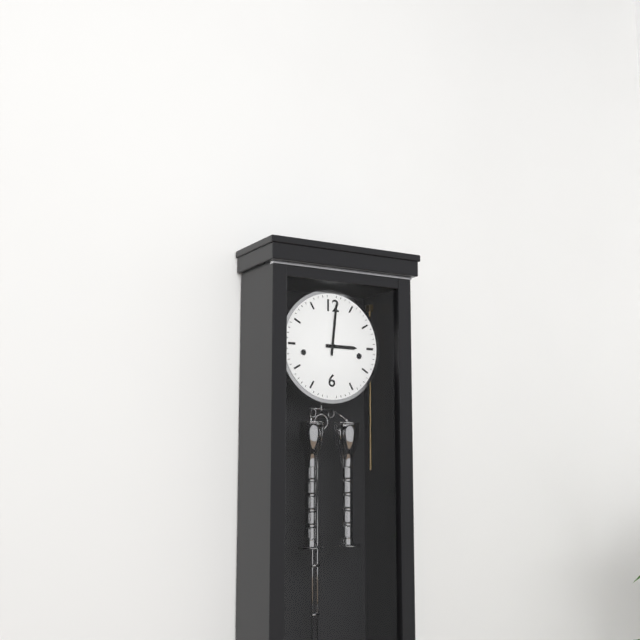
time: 3:01
